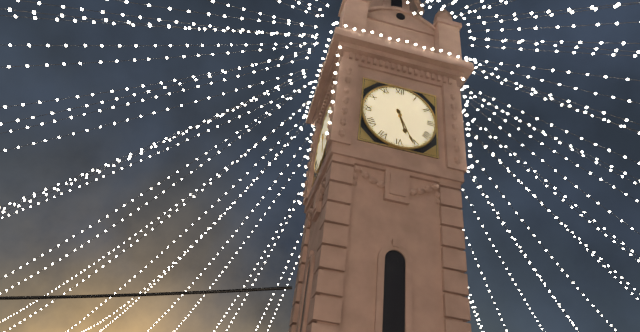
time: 5:26
